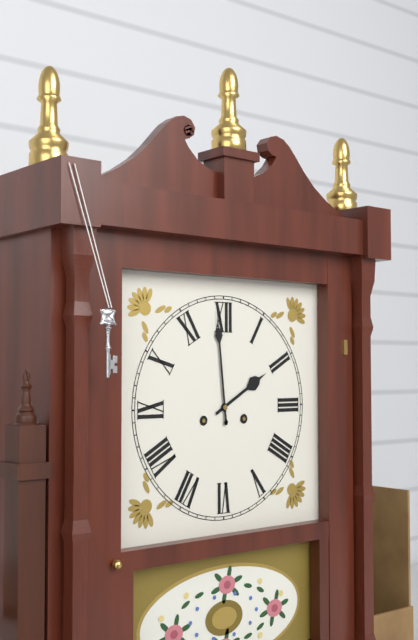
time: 1:59
